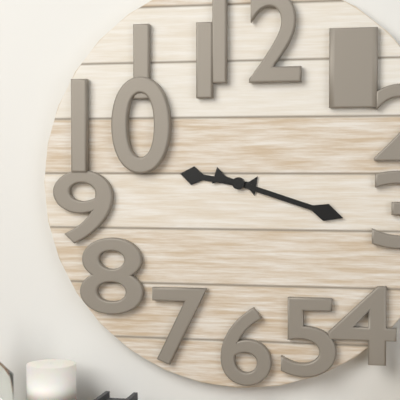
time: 9:18
